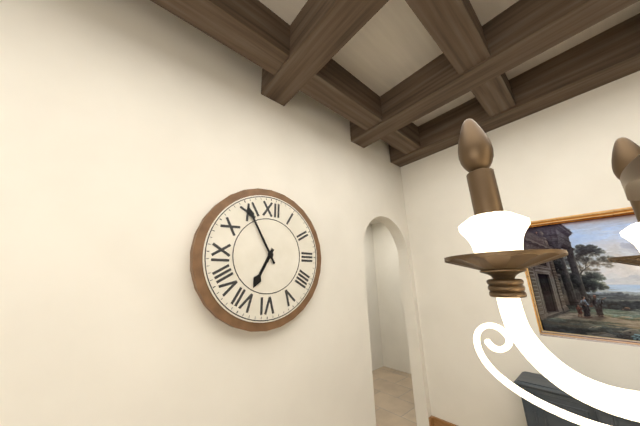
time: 6:55
